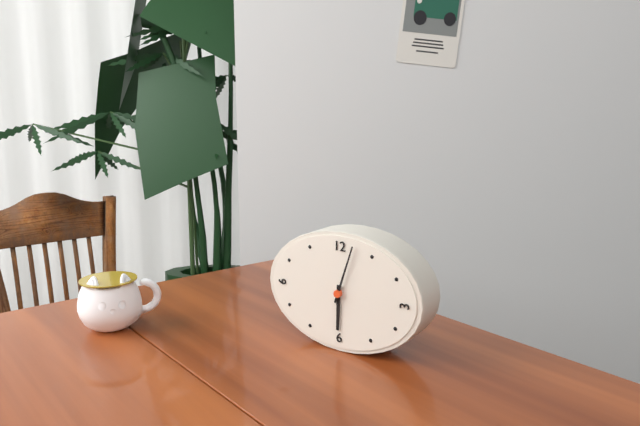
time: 6:03
